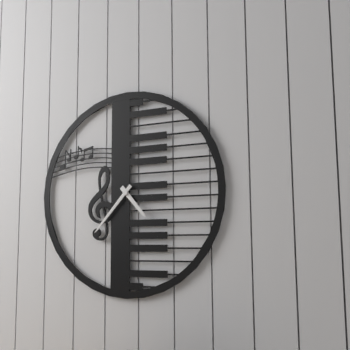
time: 4:37
